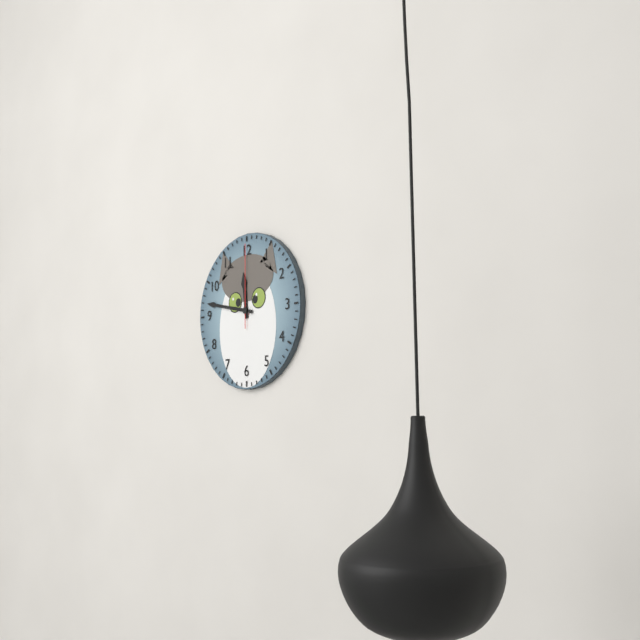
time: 11:47:00
